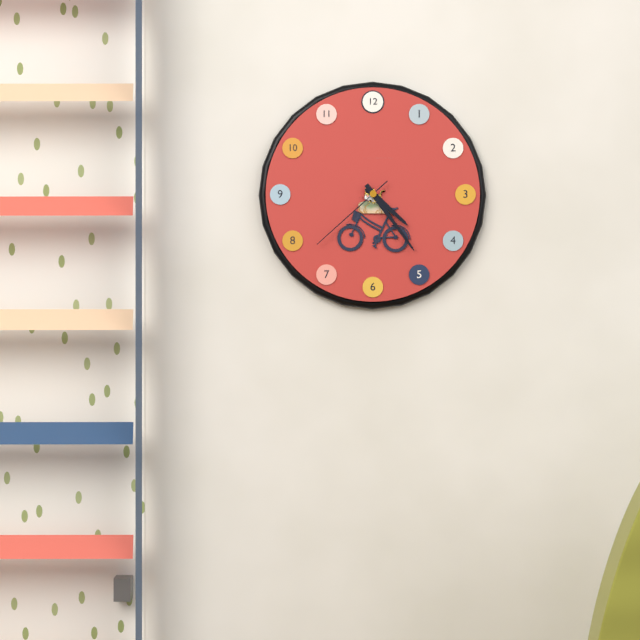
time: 4:24:38
